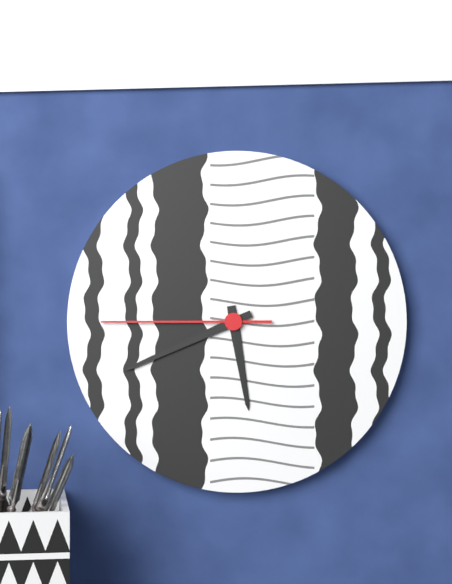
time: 5:41:45
